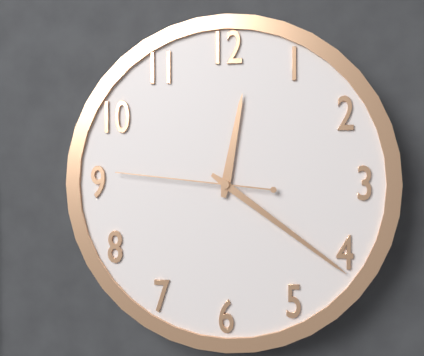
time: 12:21:46
